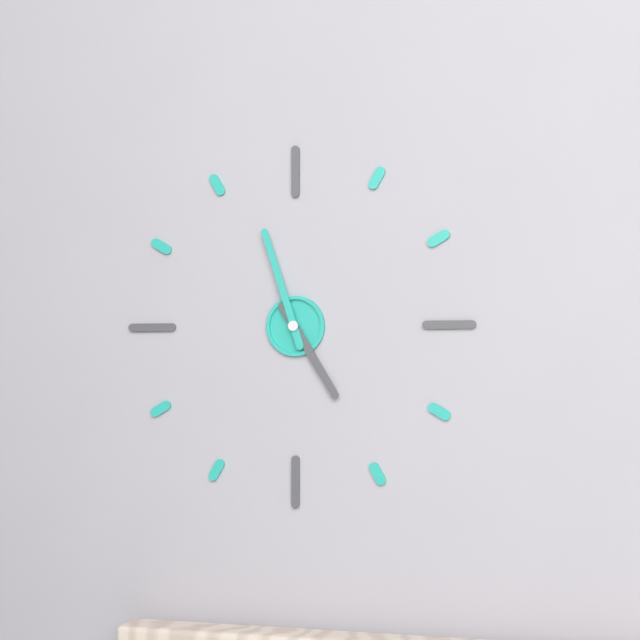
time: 4:57
